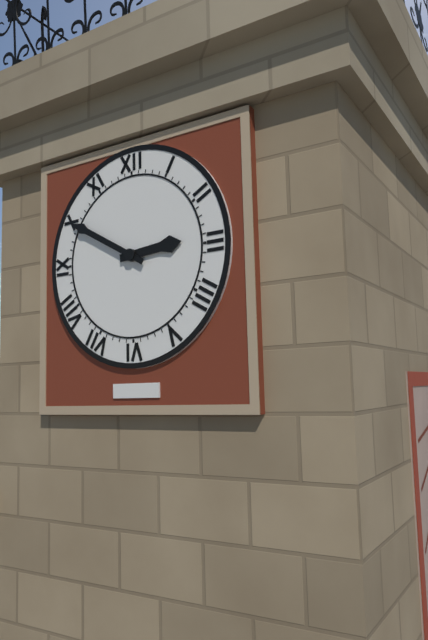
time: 2:50
